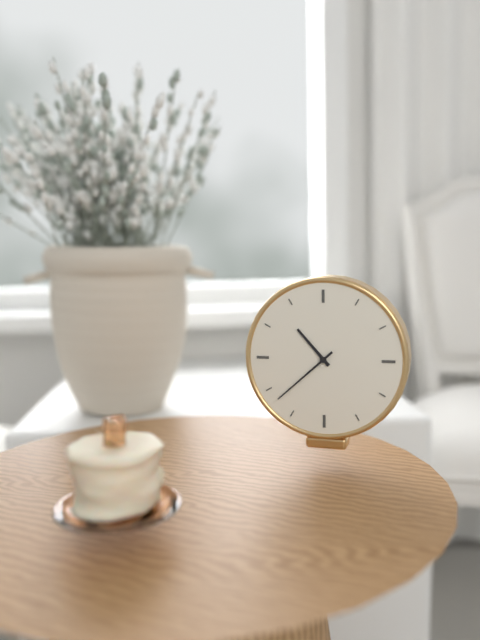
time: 10:38
